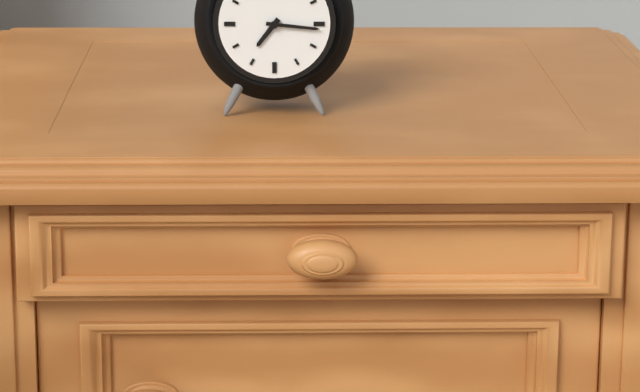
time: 7:16
